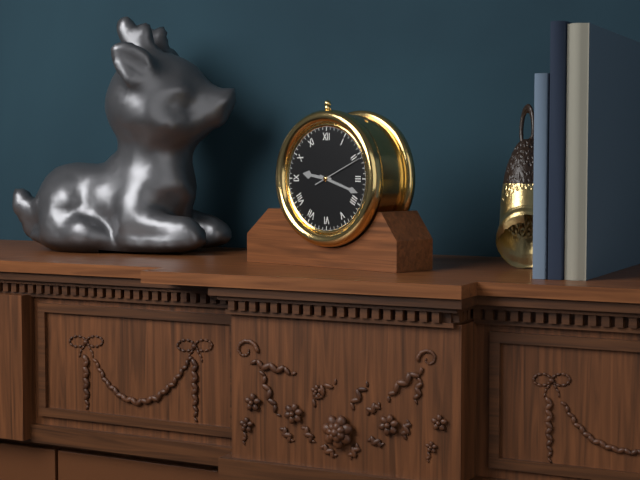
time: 9:18
